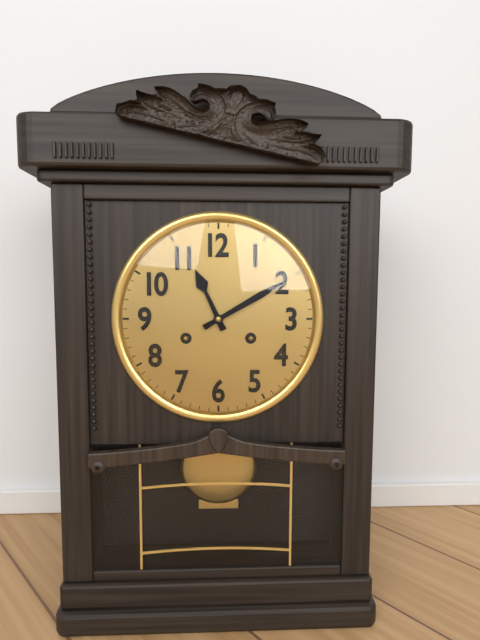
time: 11:10
